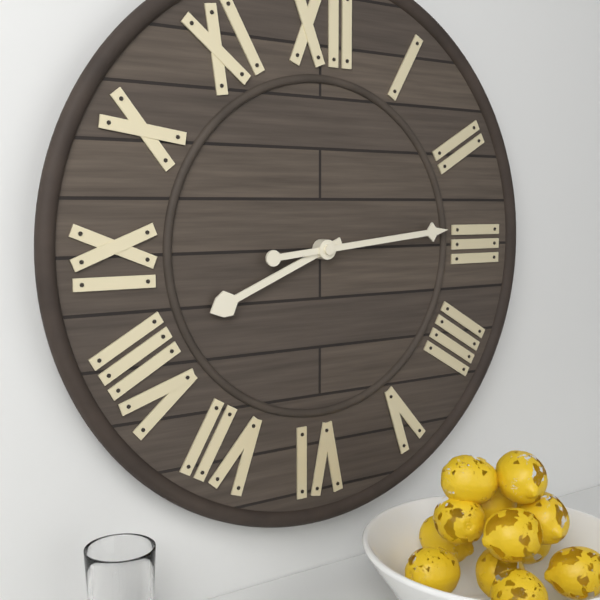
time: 8:14
